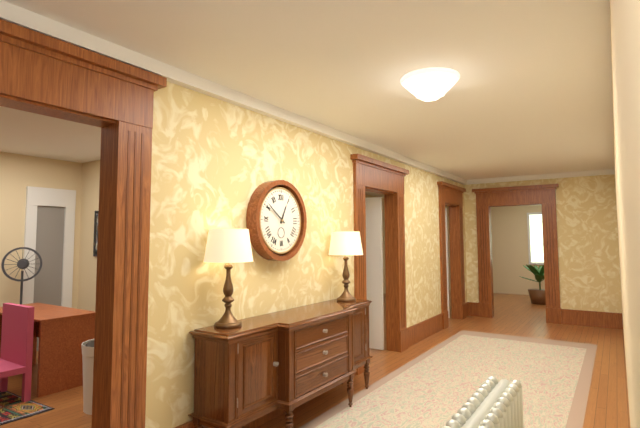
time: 12:51
